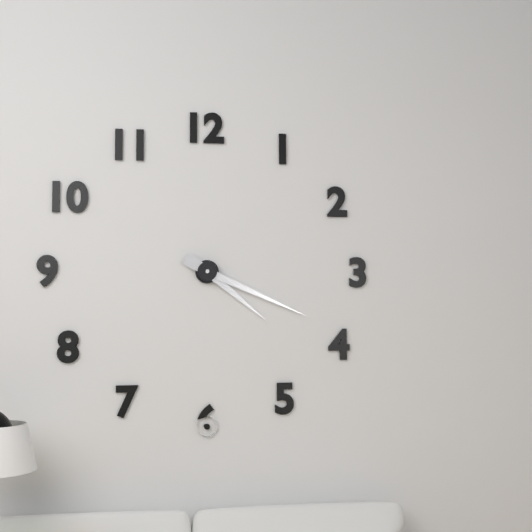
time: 4:19
